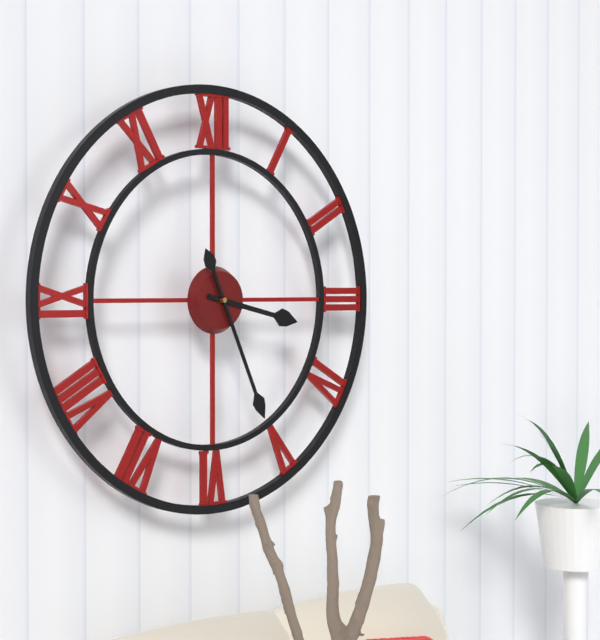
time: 3:26
